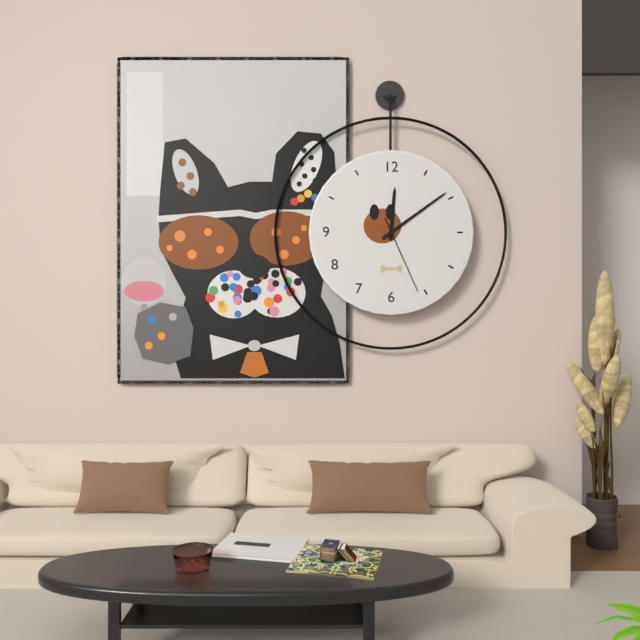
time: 12:09:26
